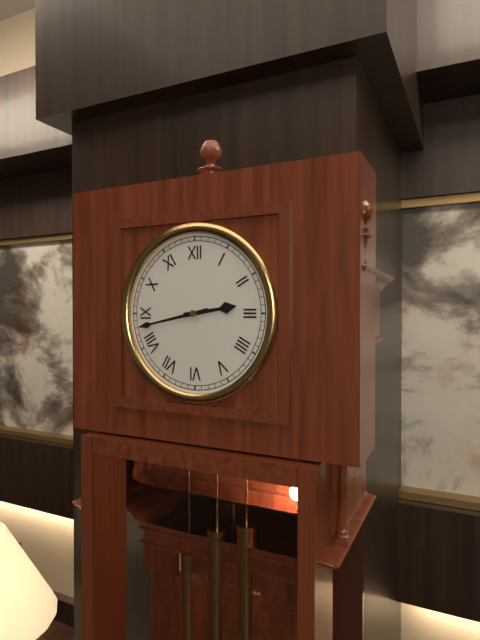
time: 2:43
